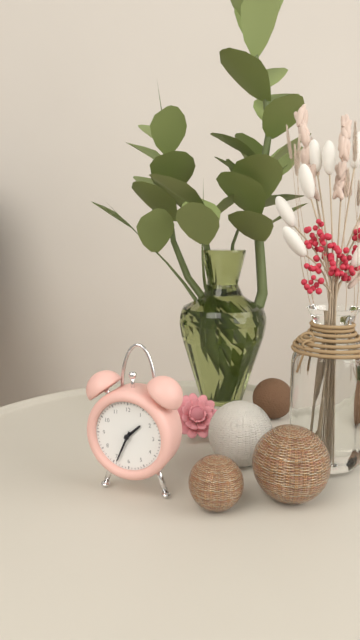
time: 1:34
